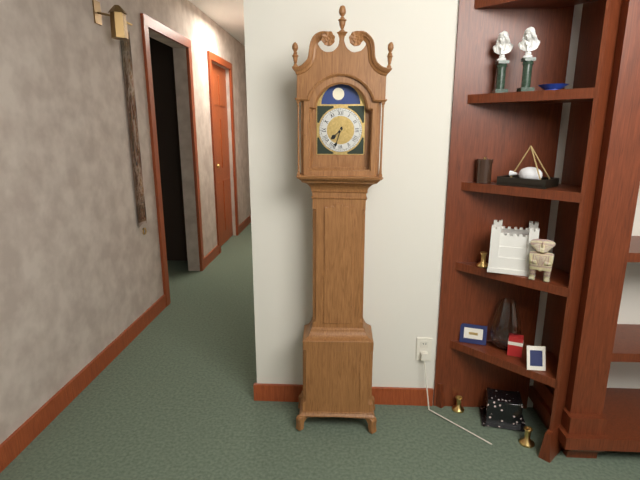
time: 7:33
